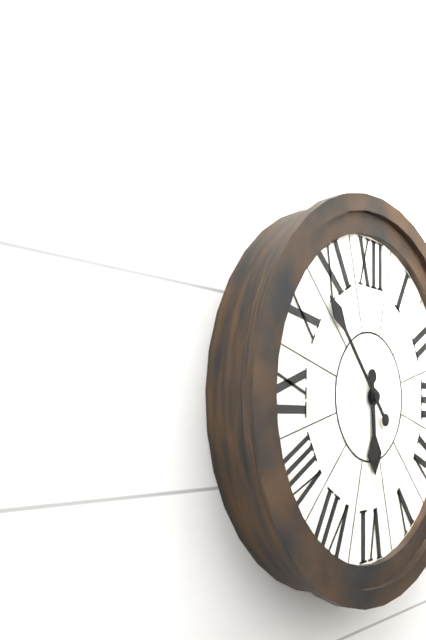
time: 5:53
